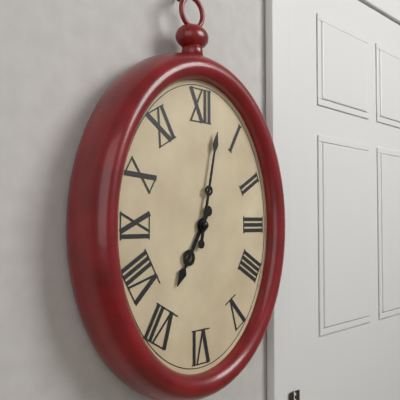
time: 7:02
